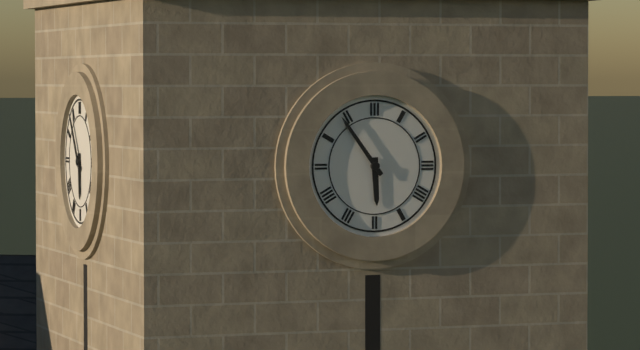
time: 5:54
